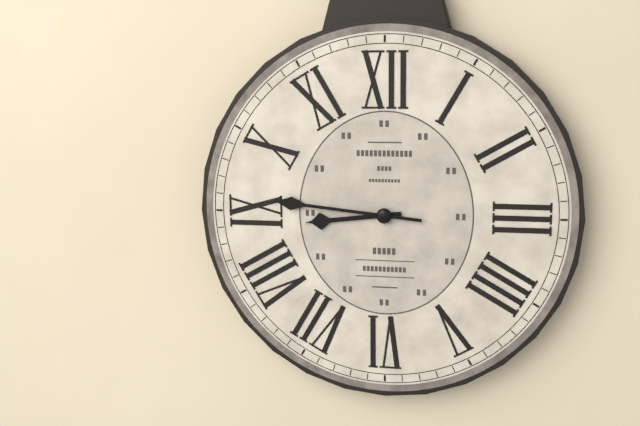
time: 8:46
